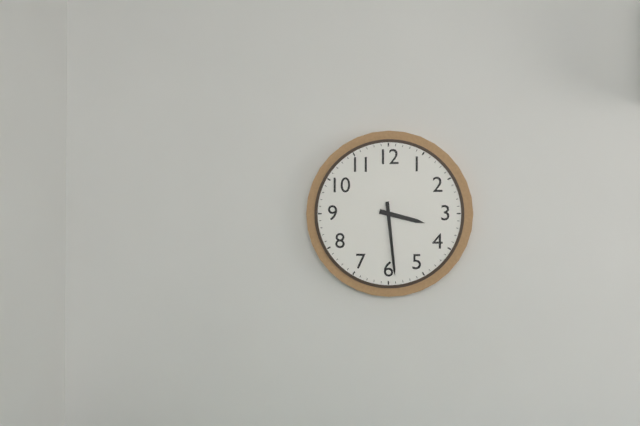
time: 3:29
